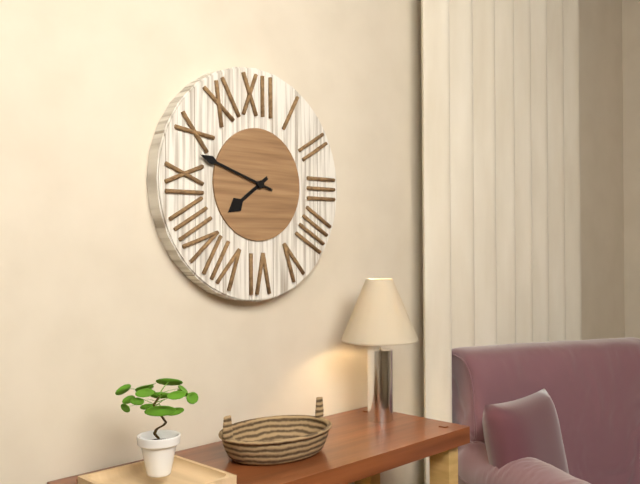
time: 7:48
